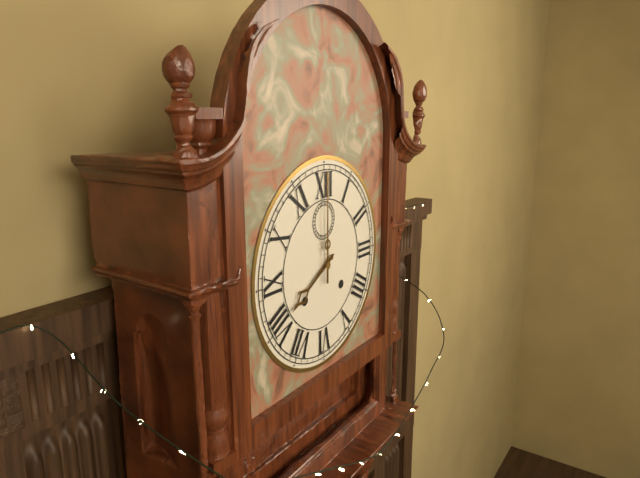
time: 8:00
